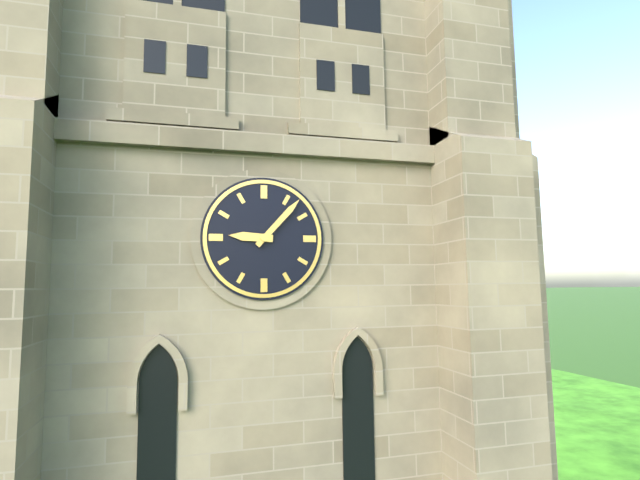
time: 9:07
